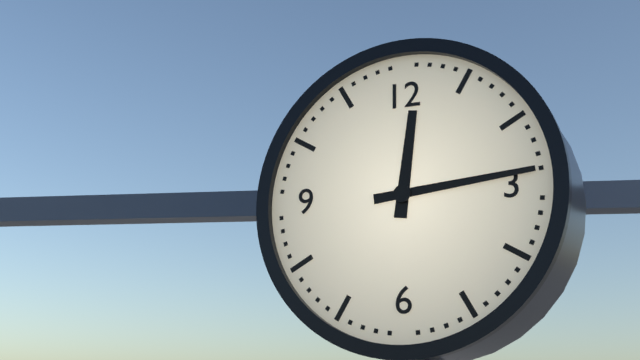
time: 12:14
